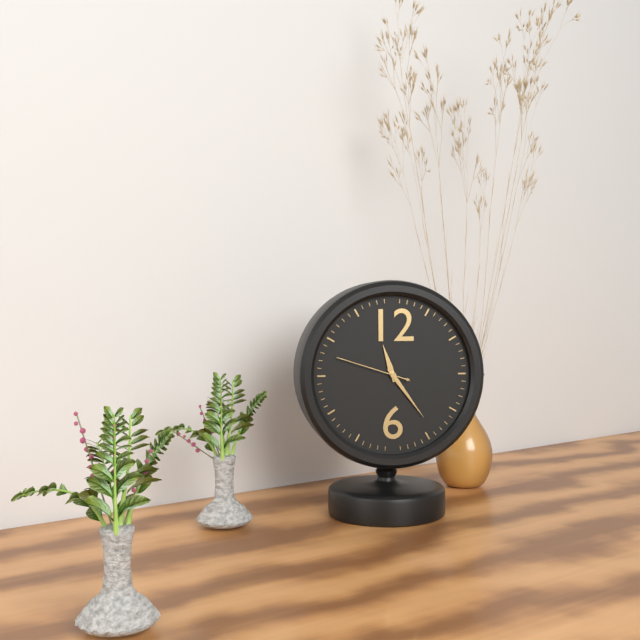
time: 11:24:48
